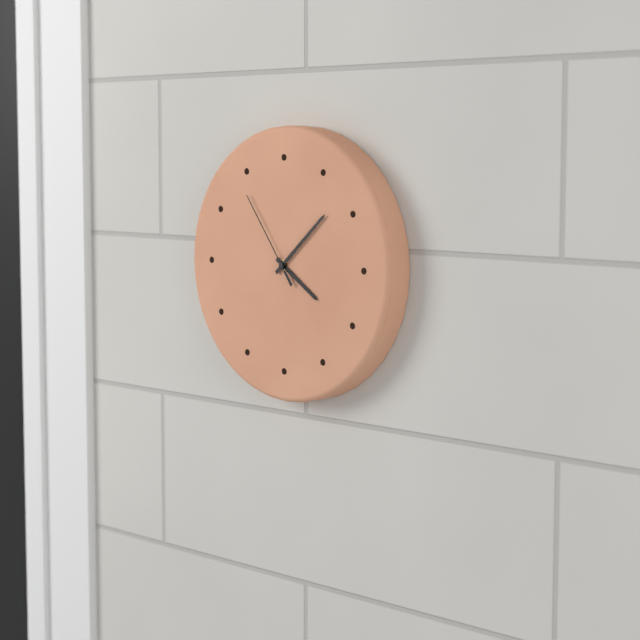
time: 4:08:54
